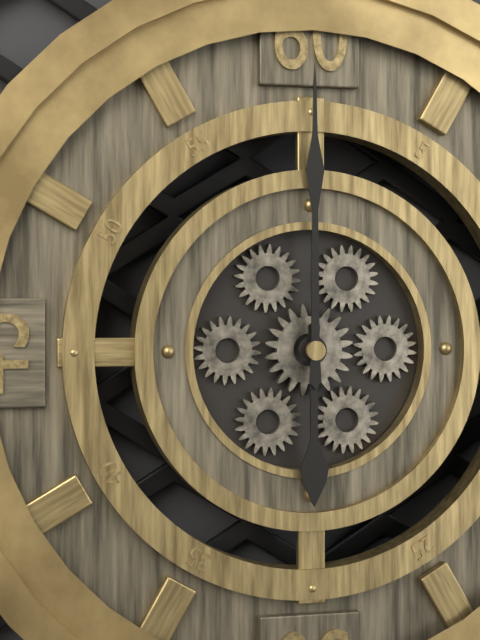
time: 6:00
